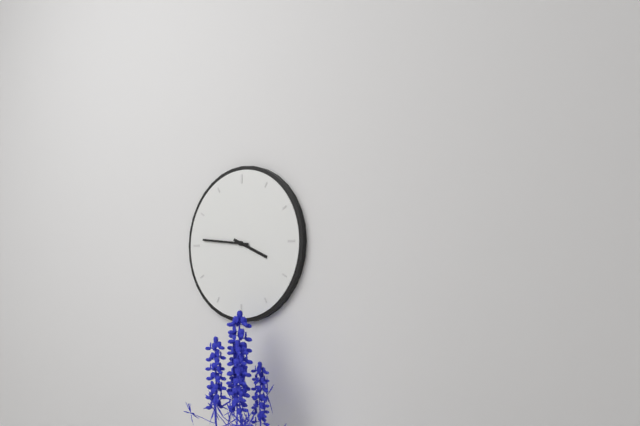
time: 3:46
